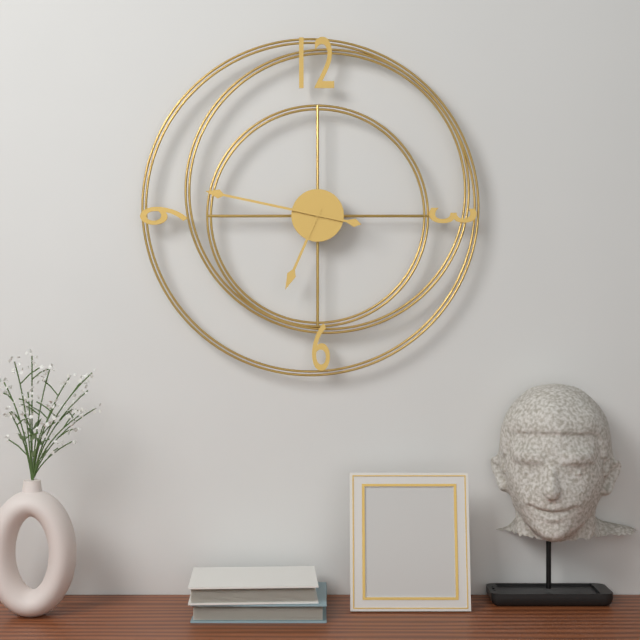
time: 6:47
